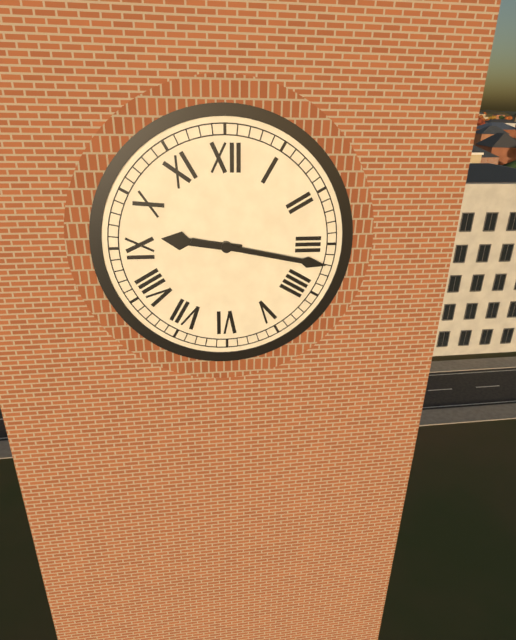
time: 9:17
